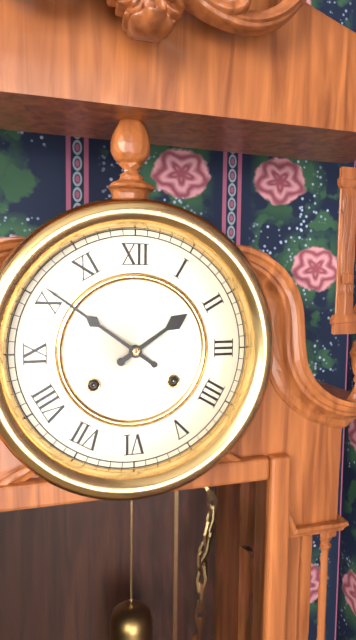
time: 1:51
